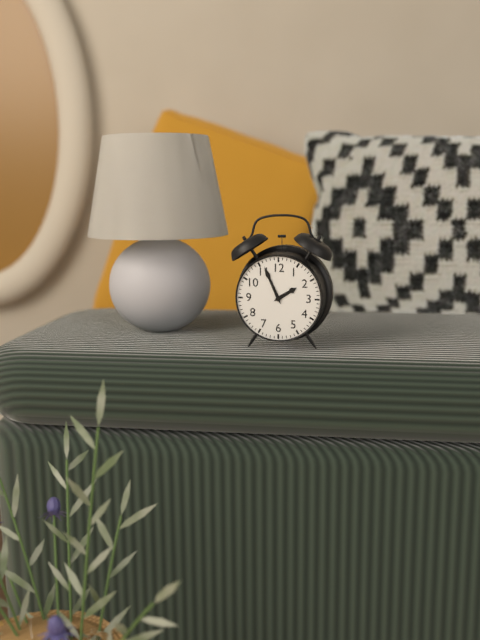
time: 1:56
